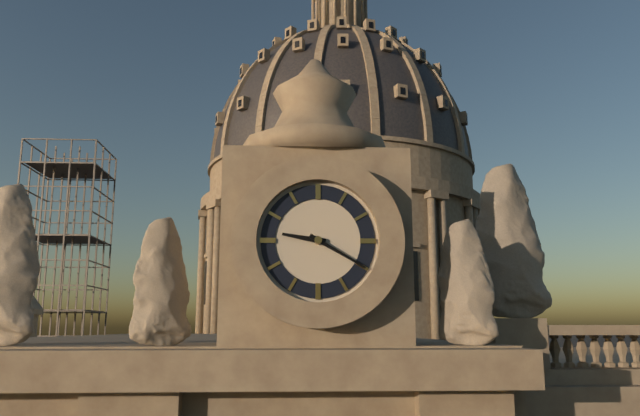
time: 9:20
